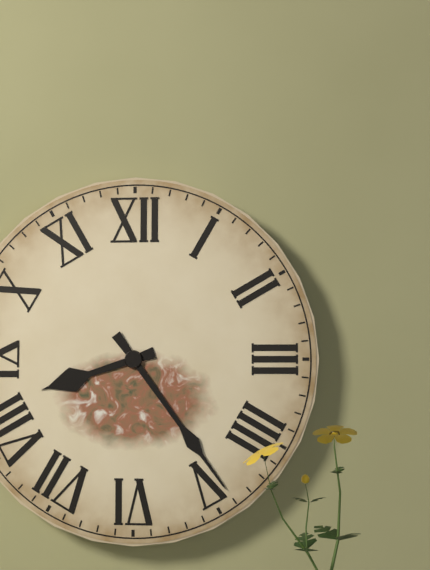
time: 8:24
